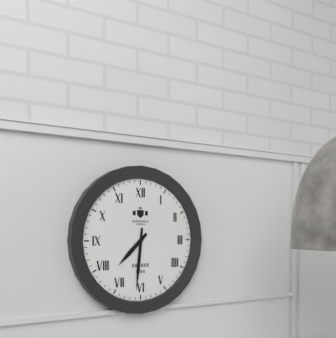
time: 7:31
